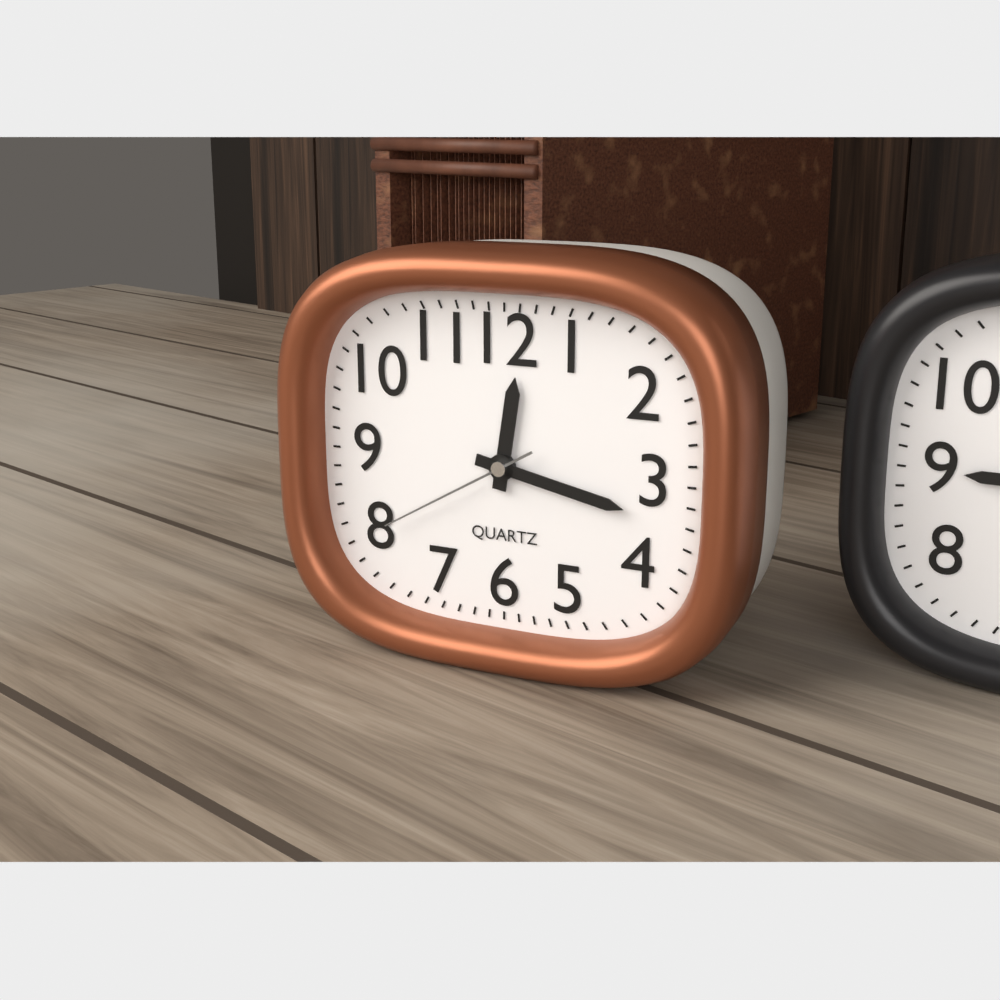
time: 12:17:40
